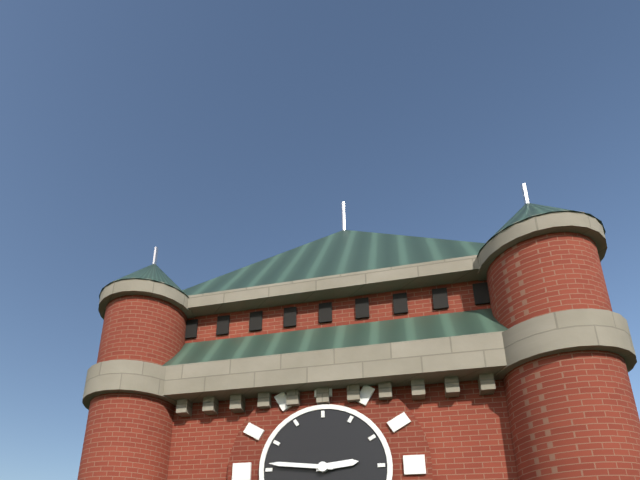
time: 2:46
